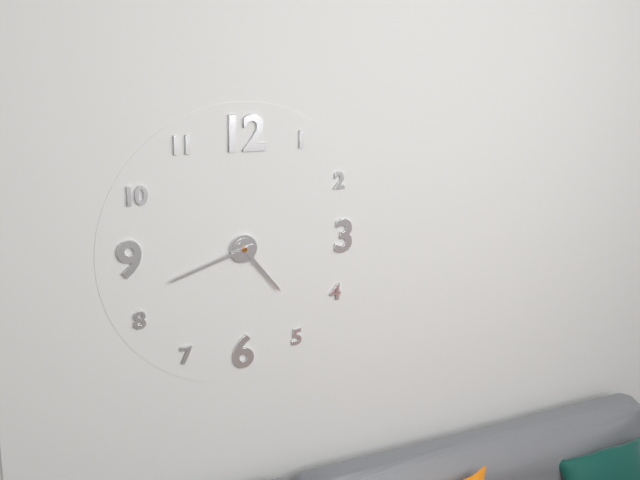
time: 4:42
